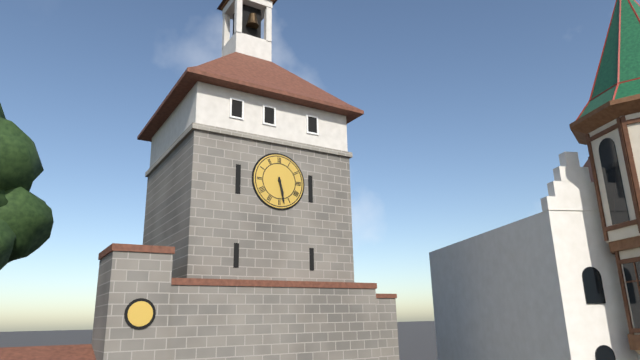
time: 5:28
